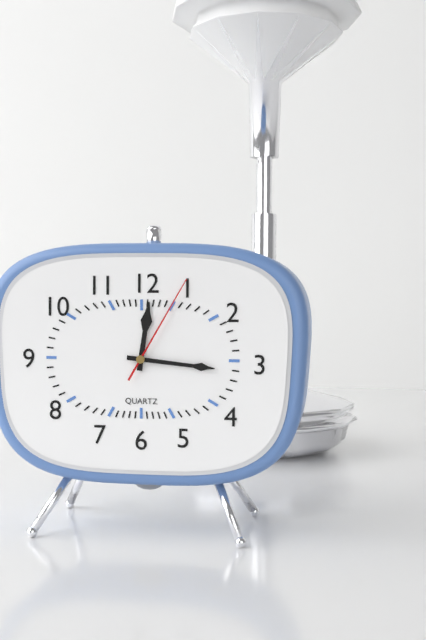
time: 12:16:05
